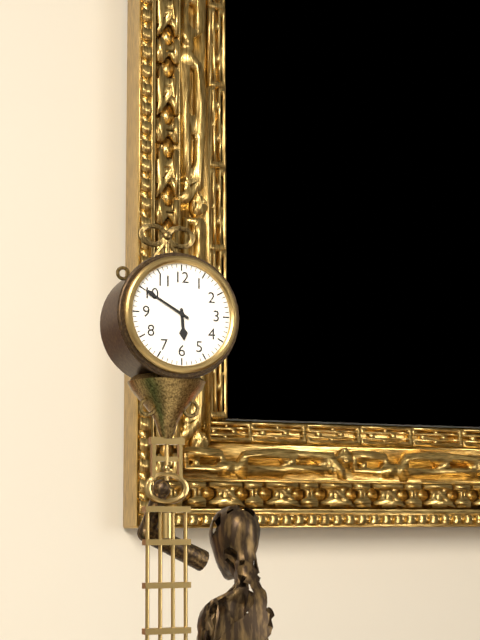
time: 5:50
